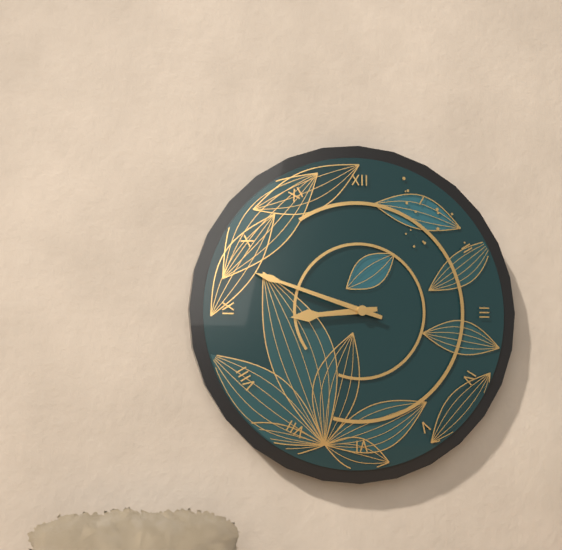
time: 8:48
